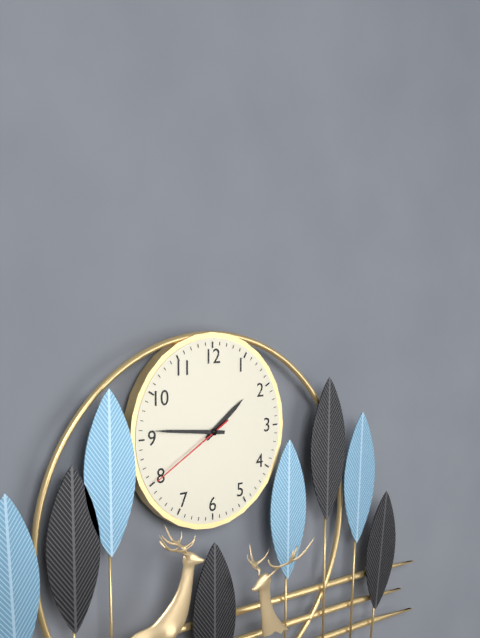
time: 1:46:40
